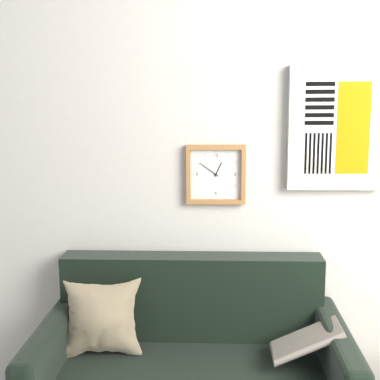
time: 12:51
